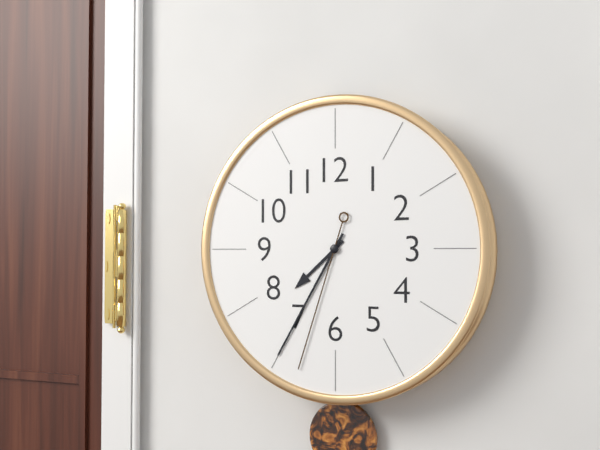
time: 7:35:33
